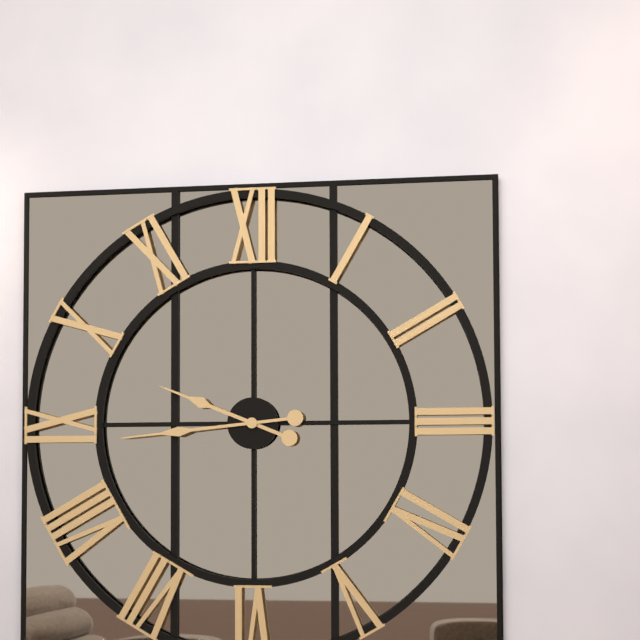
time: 9:44
